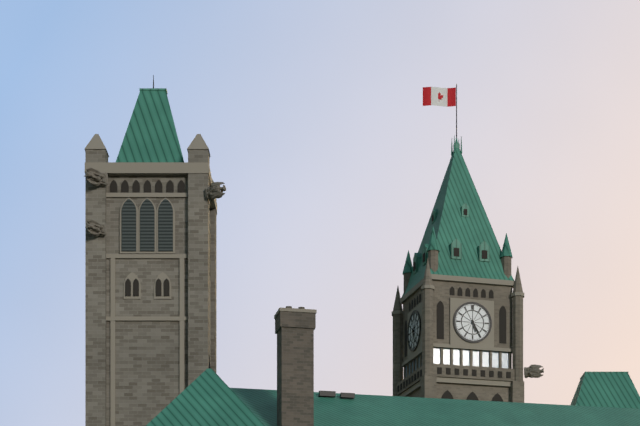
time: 5:25
